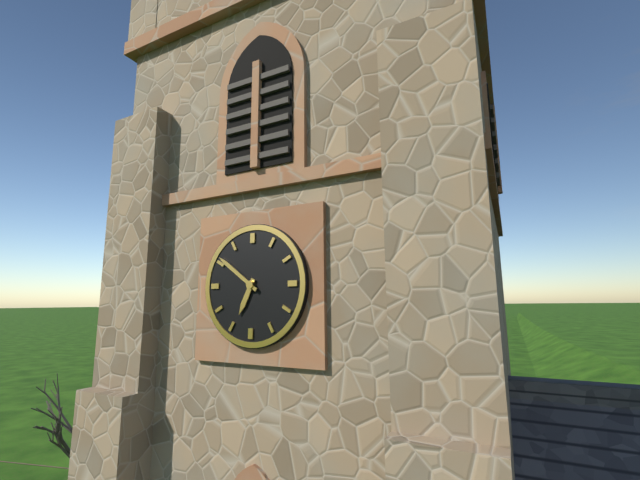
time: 6:51
